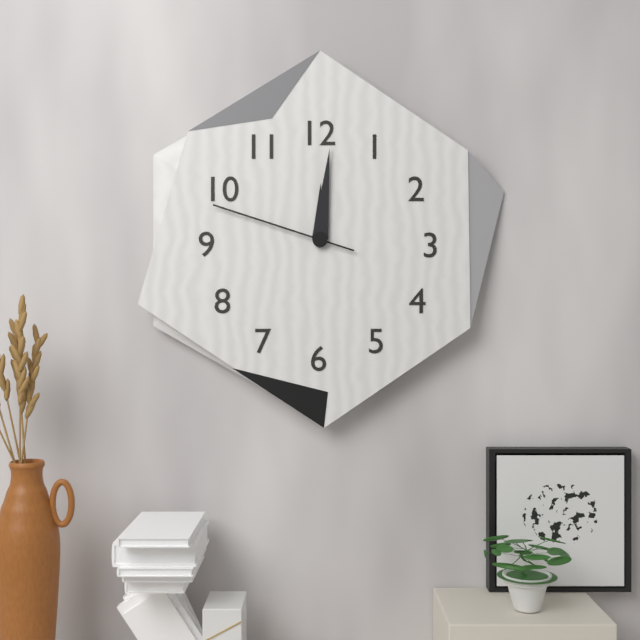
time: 12:01:48
